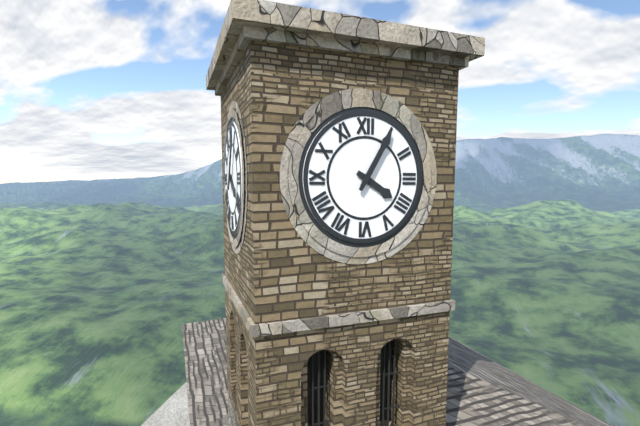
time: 4:05
